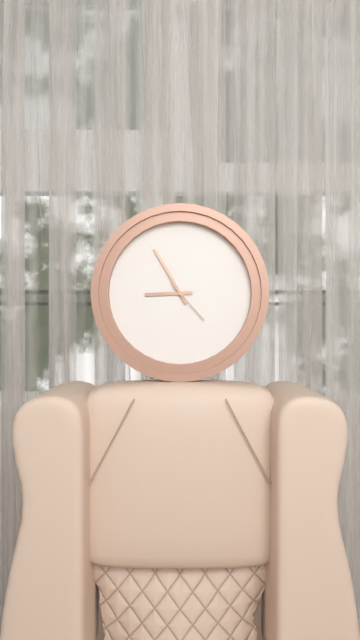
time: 8:55
